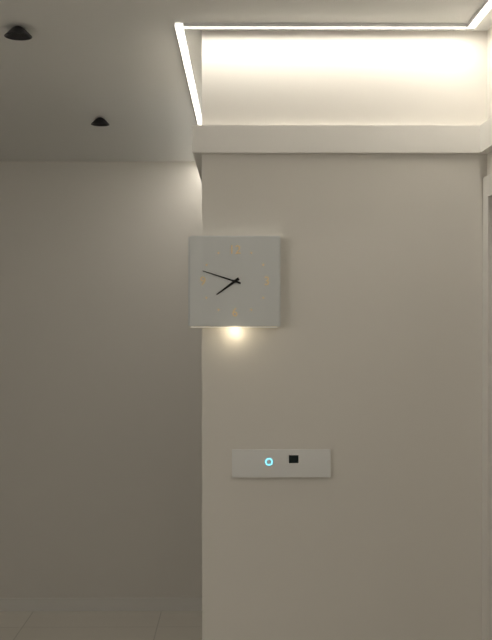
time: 7:48
